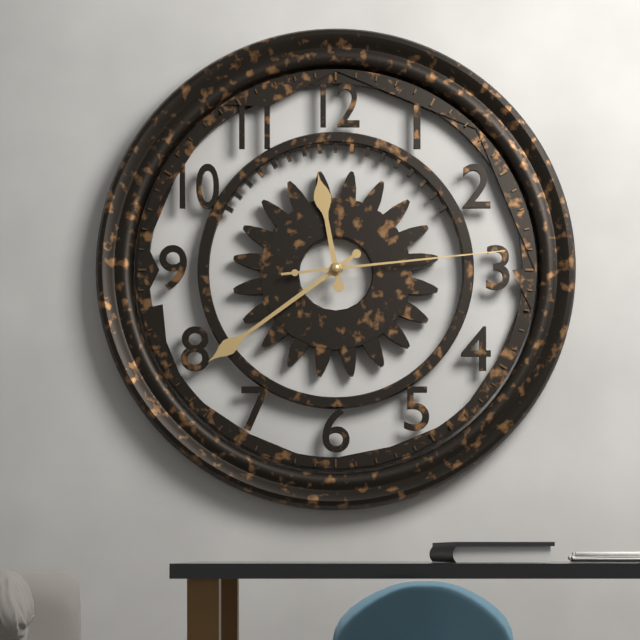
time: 11:39:14
